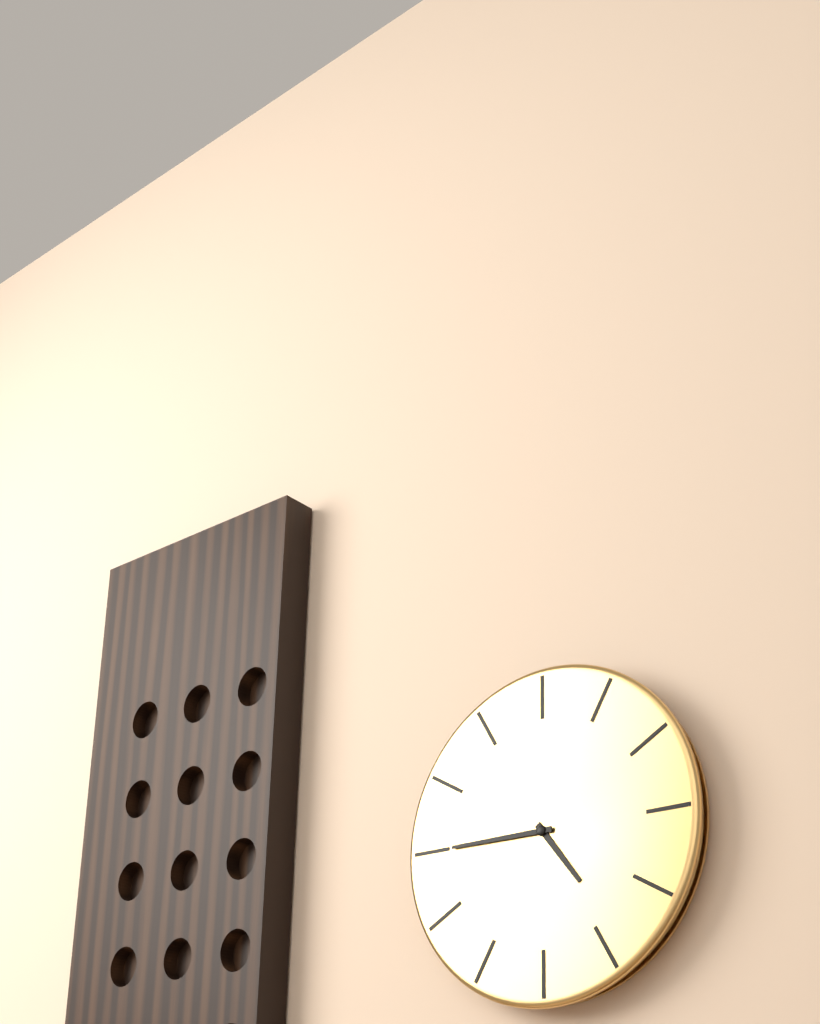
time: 4:45
